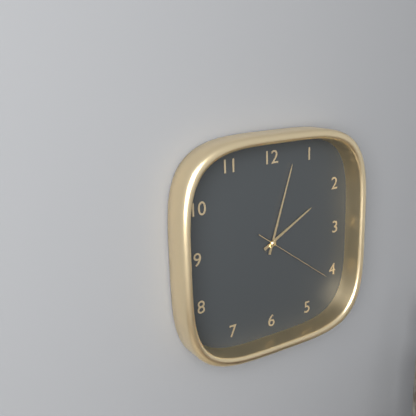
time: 2:03:21
